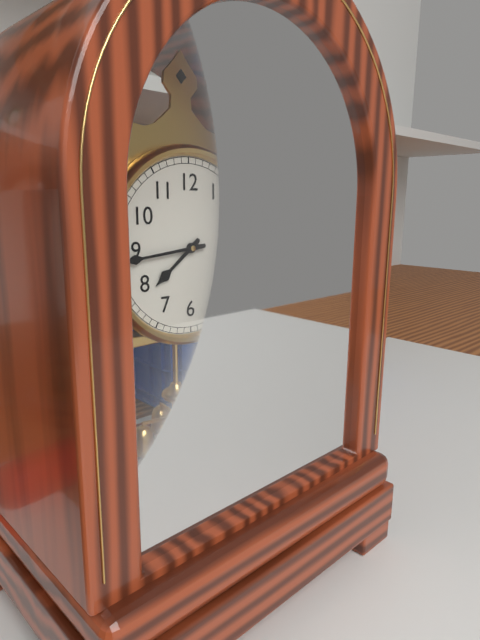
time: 7:44
